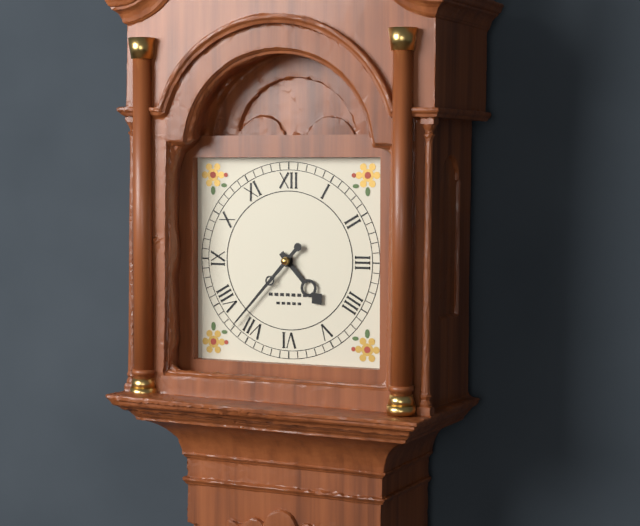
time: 4:37
